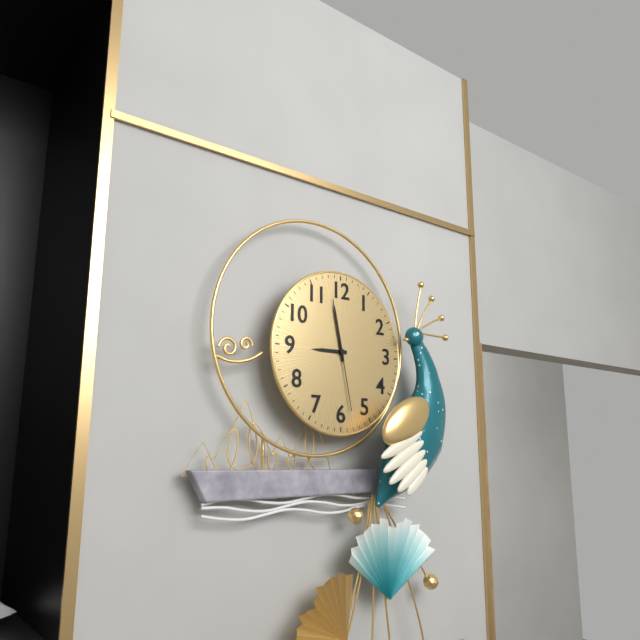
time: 8:58:28
